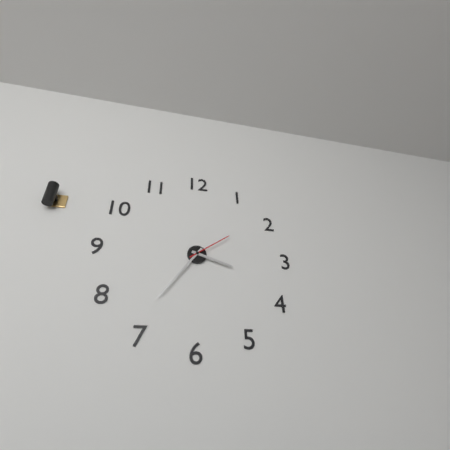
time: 3:36
